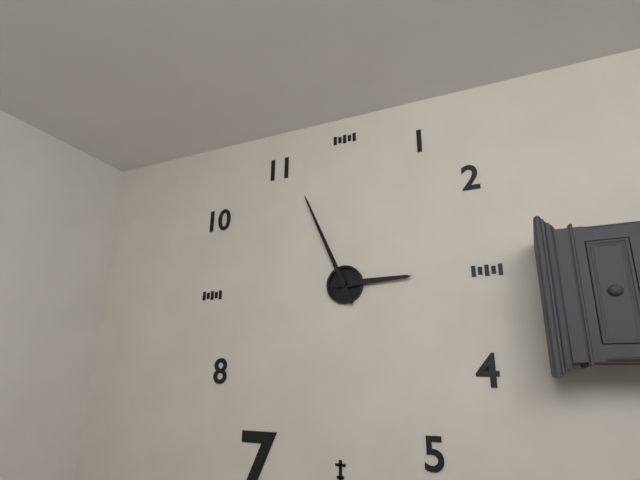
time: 2:56
